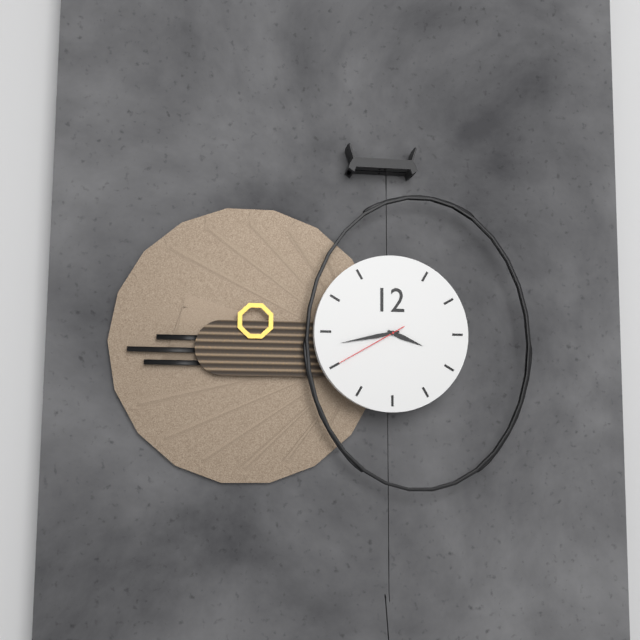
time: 3:43:40
